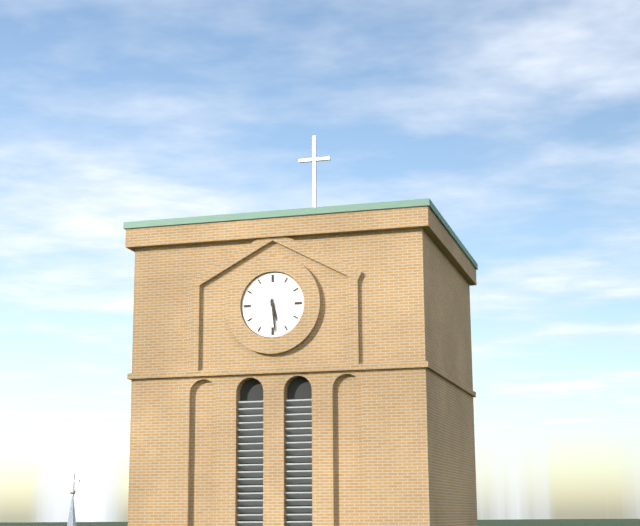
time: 5:29
